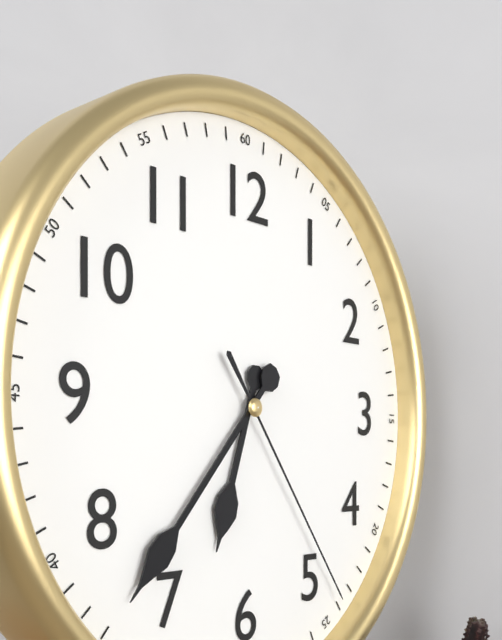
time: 6:37:24
